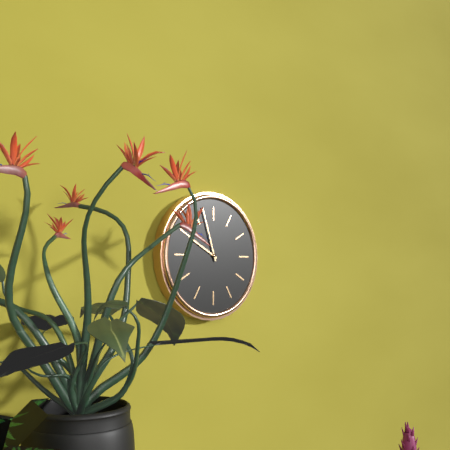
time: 9:57
